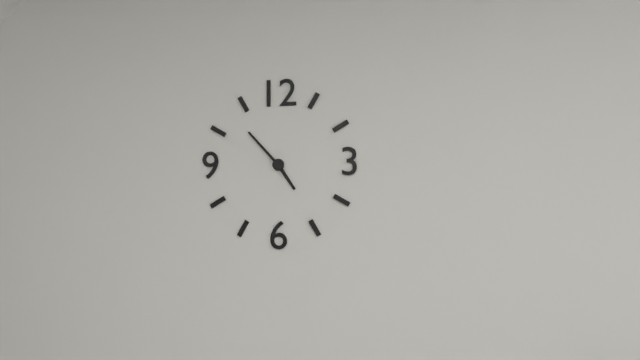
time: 4:53
